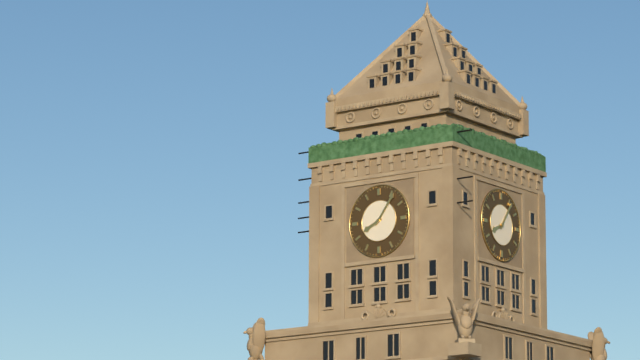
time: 8:06
